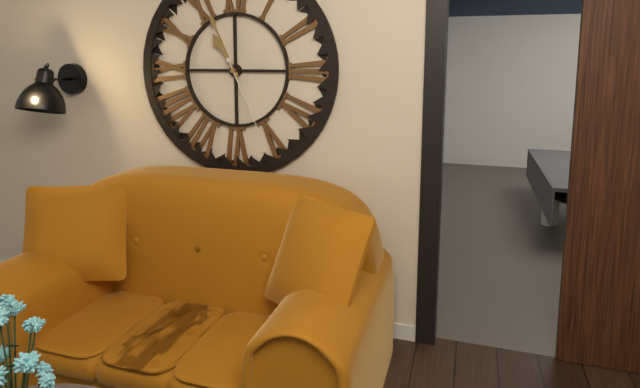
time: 10:56:26
